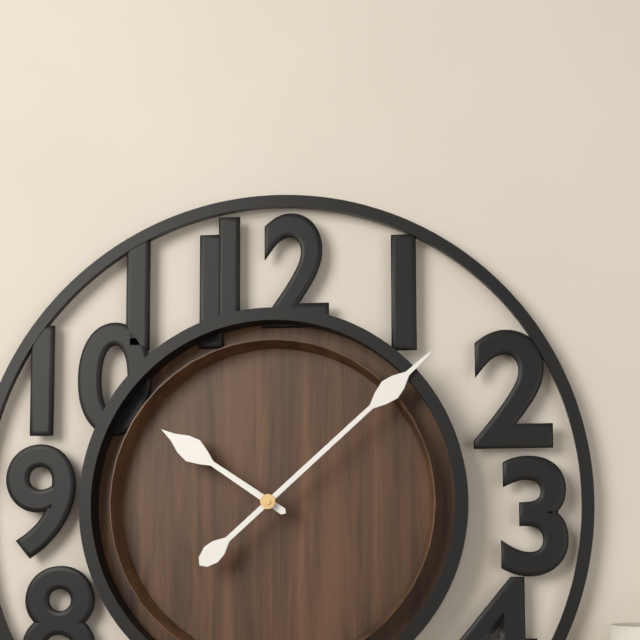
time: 10:08
